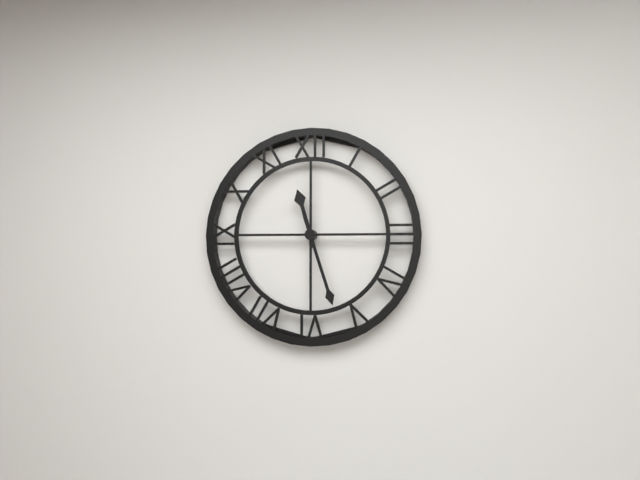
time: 11:27
